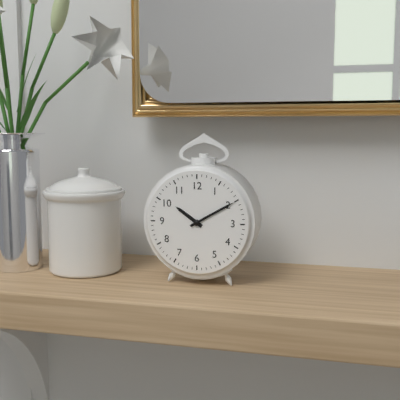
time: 10:10
